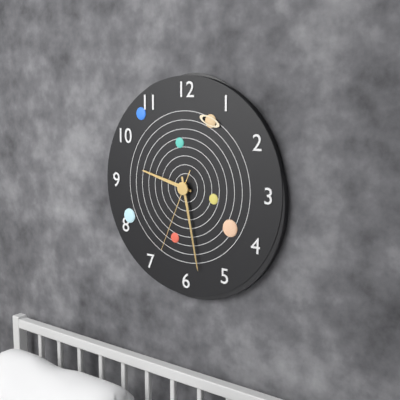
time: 9:28:34
